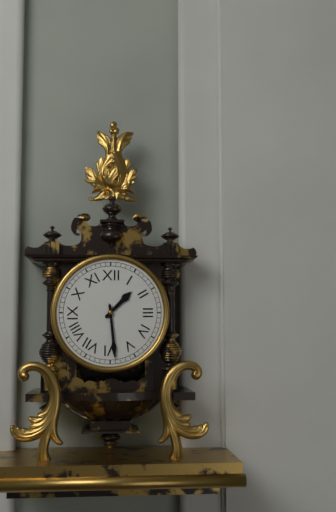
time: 1:29
